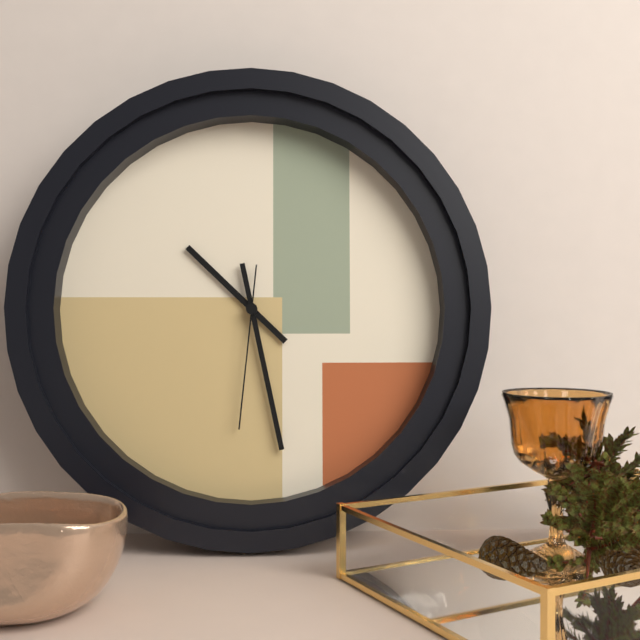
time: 10:28:31
